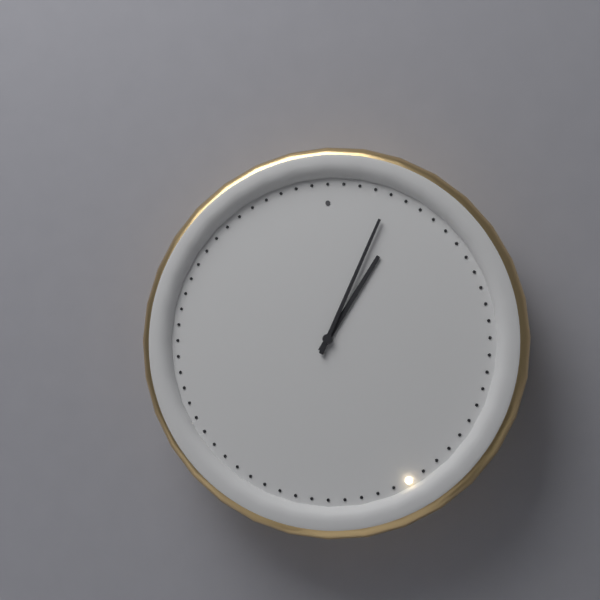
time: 1:04
